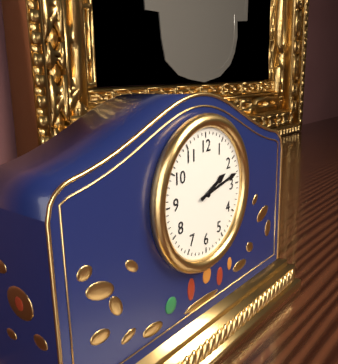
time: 2:13
